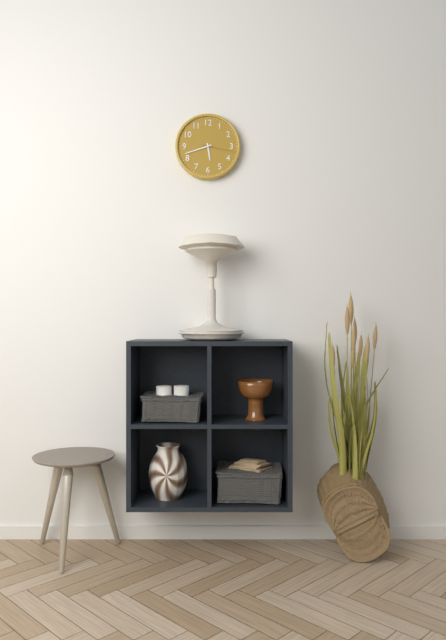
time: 5:42
